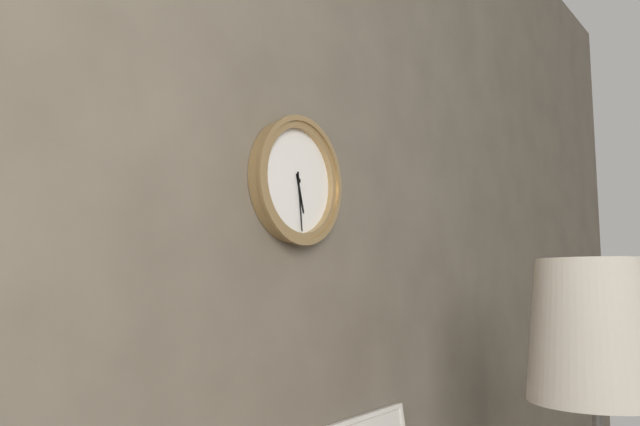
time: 5:29
